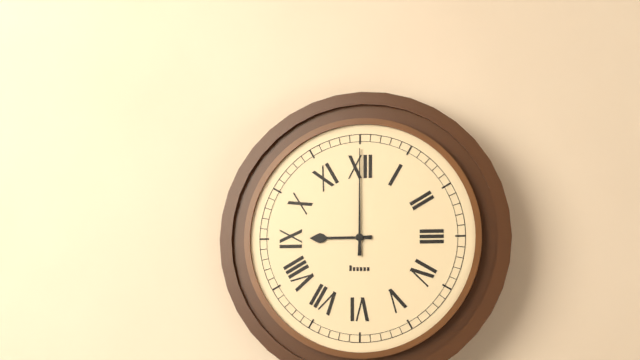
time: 9:00
